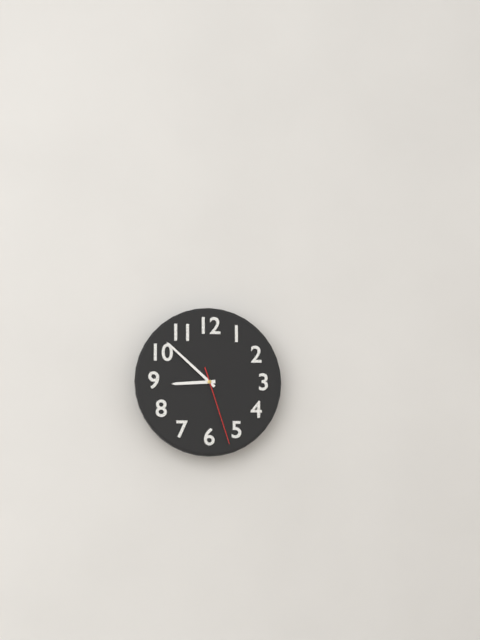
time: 8:52:27
